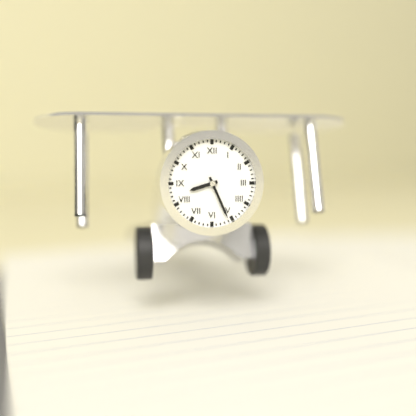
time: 8:26
